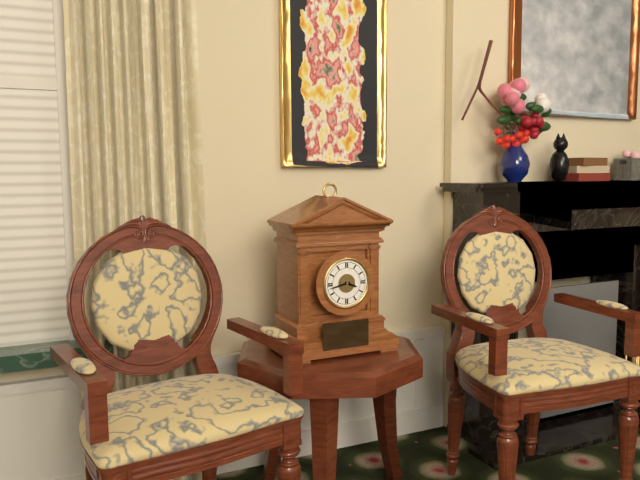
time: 3:43
